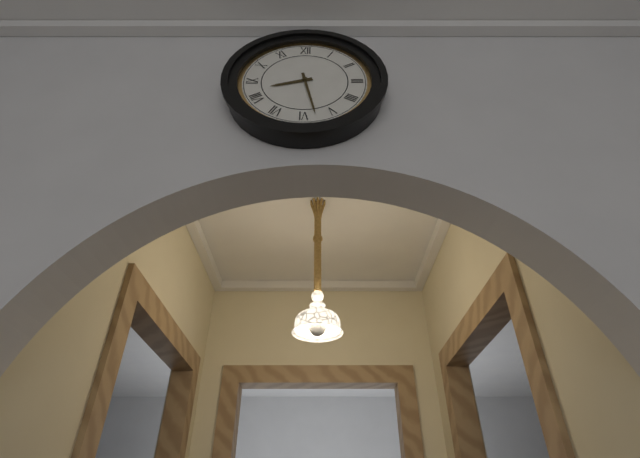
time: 8:28
